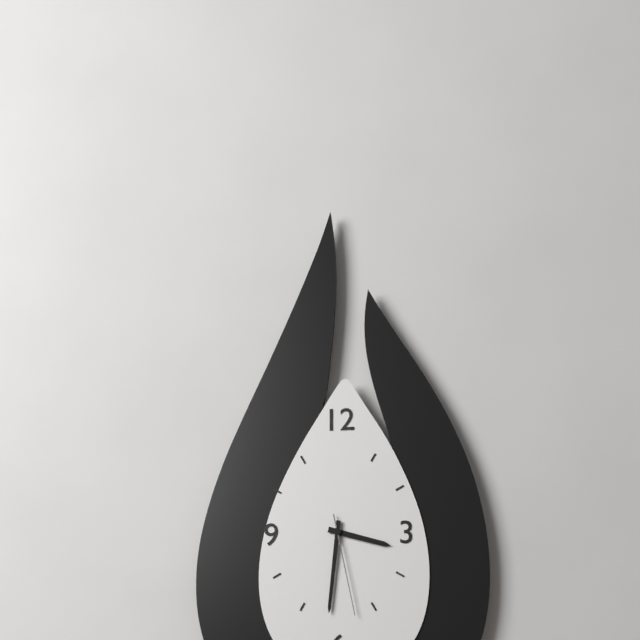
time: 3:31:28
